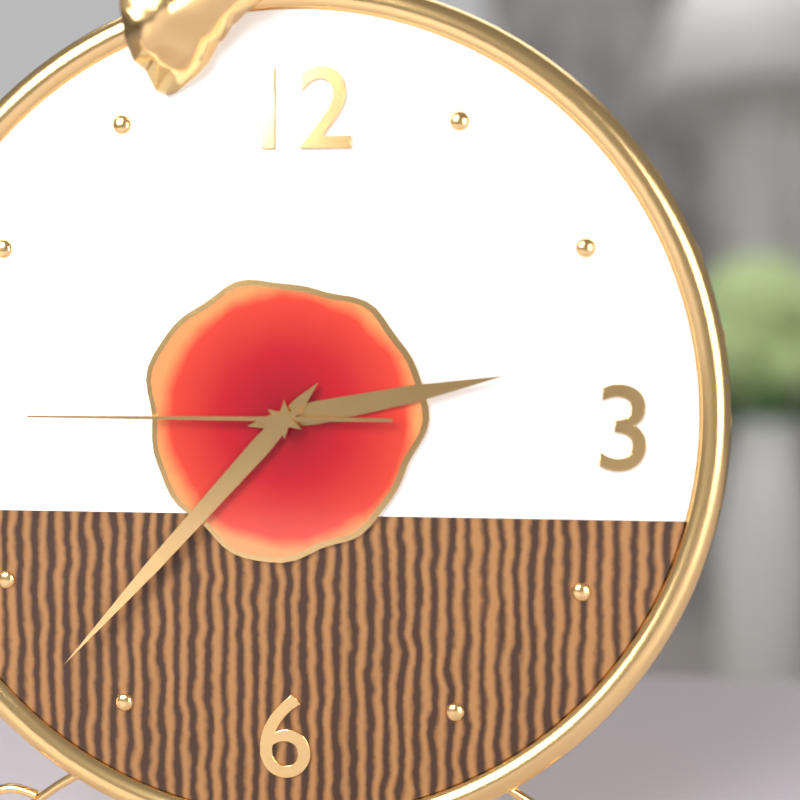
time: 2:37:45
